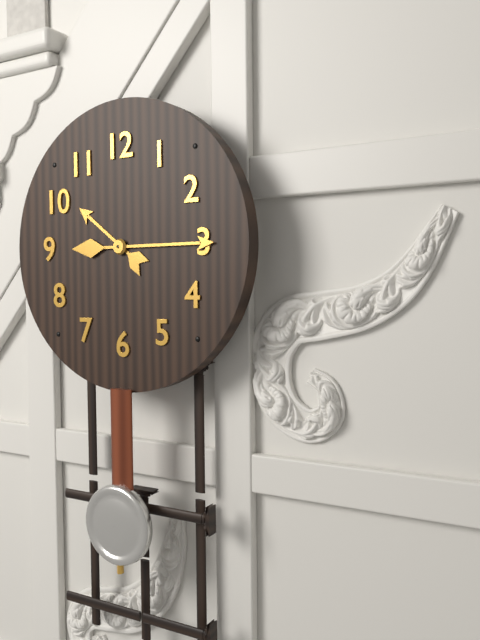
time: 10:15
